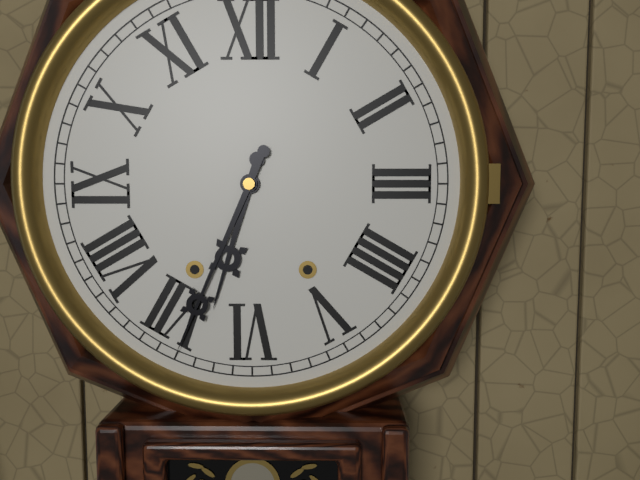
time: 6:34
